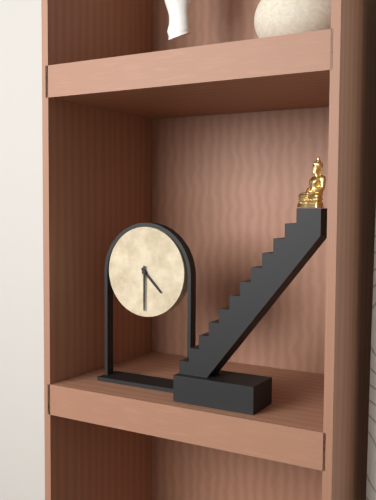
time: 4:30
